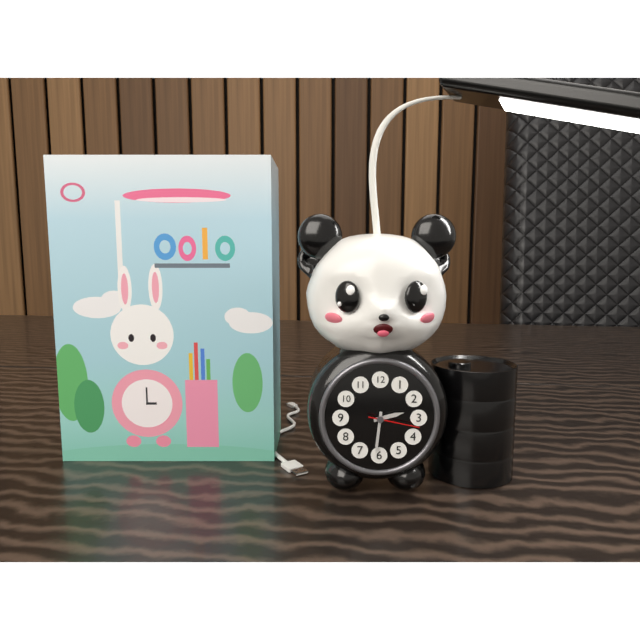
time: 2:31:17
